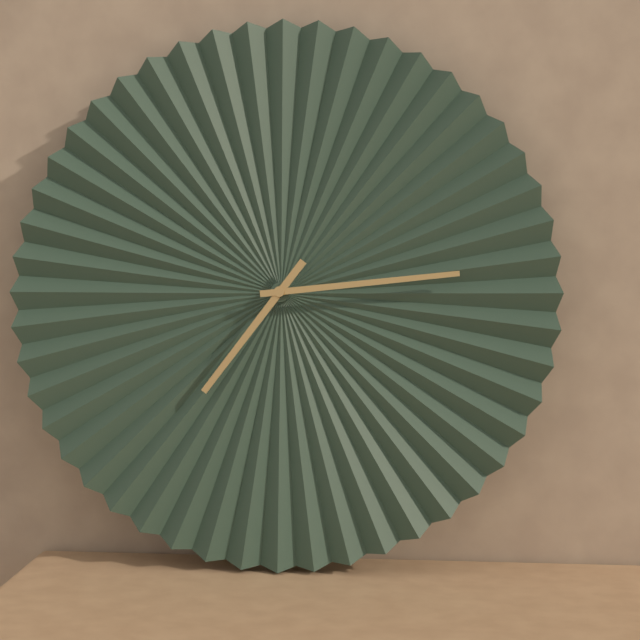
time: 7:14
